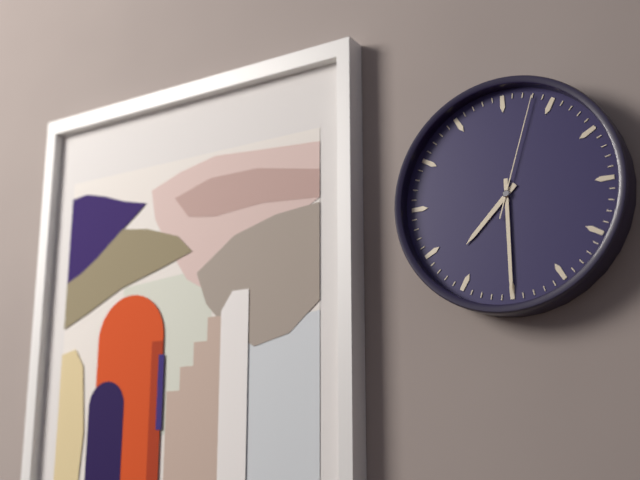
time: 7:30:03
